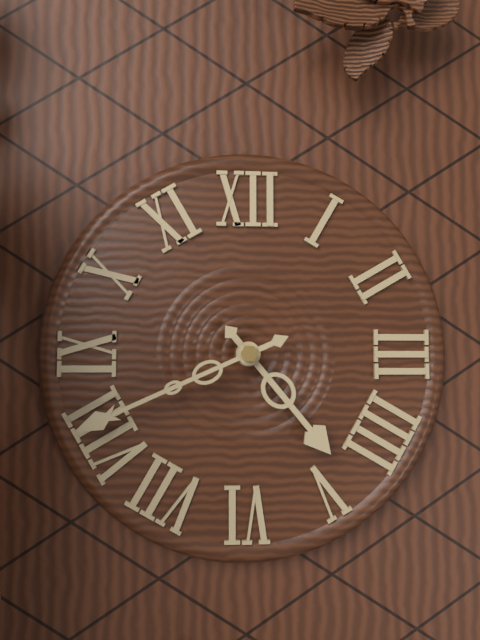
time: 4:41
